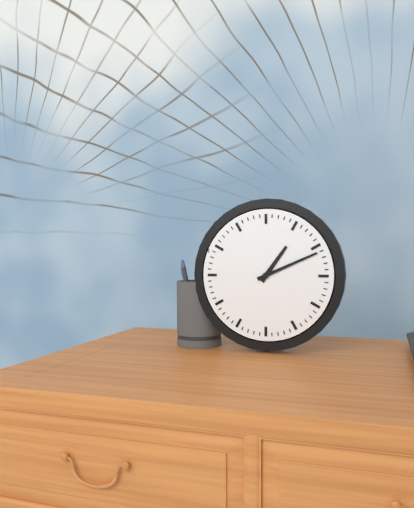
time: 1:11
